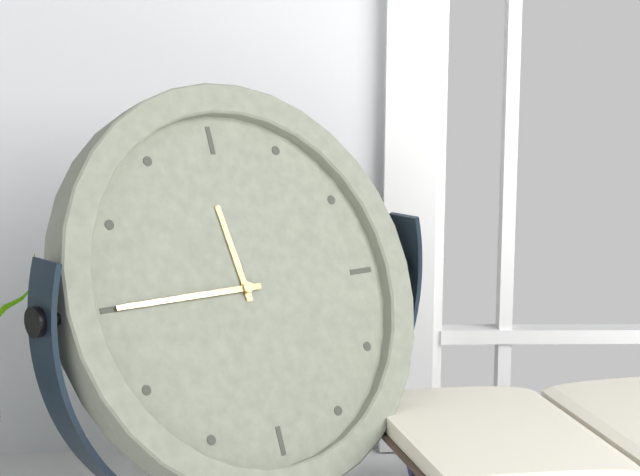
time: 11:45
